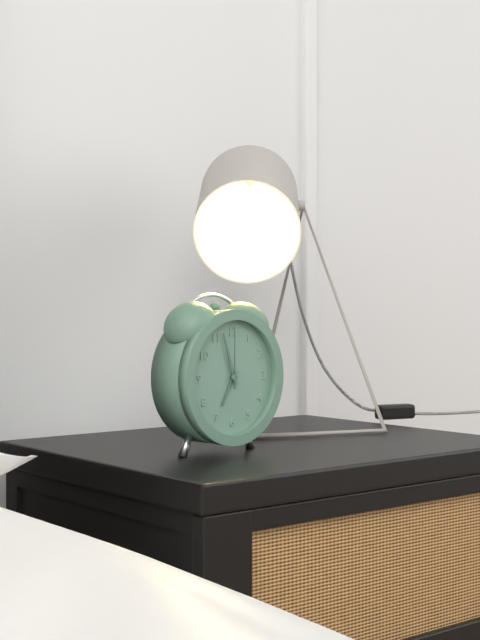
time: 6:57:00
